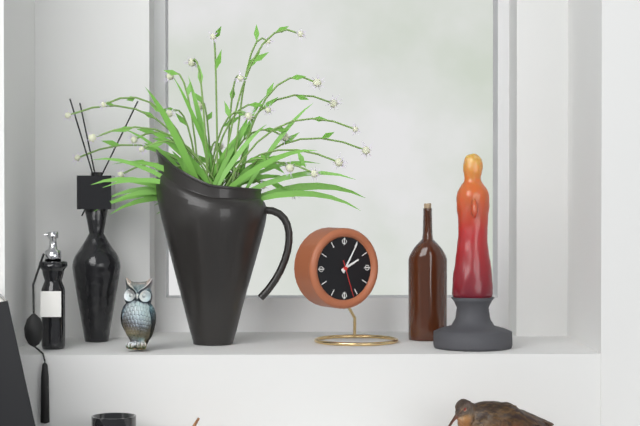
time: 2:05
